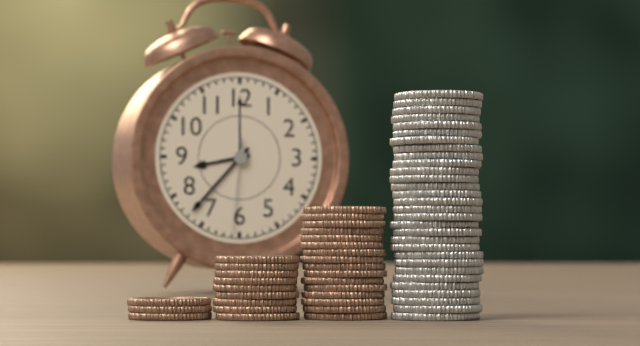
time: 8:37:31
